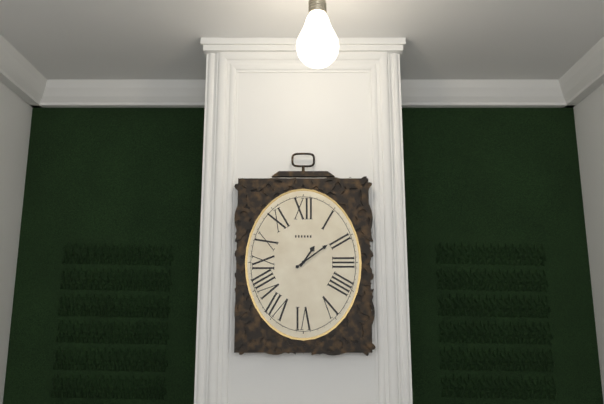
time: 1:09
